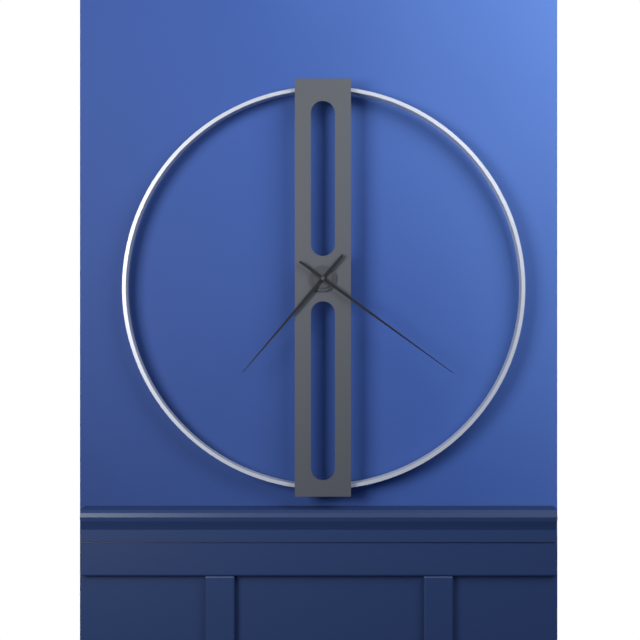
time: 7:21
